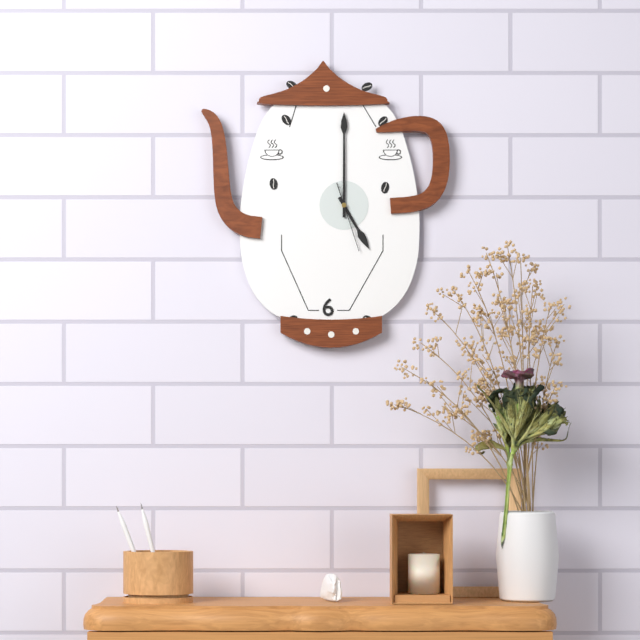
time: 5:00:27
